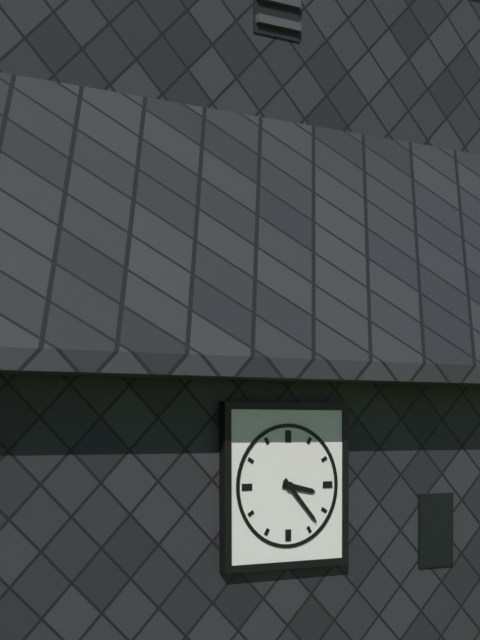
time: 3:23
